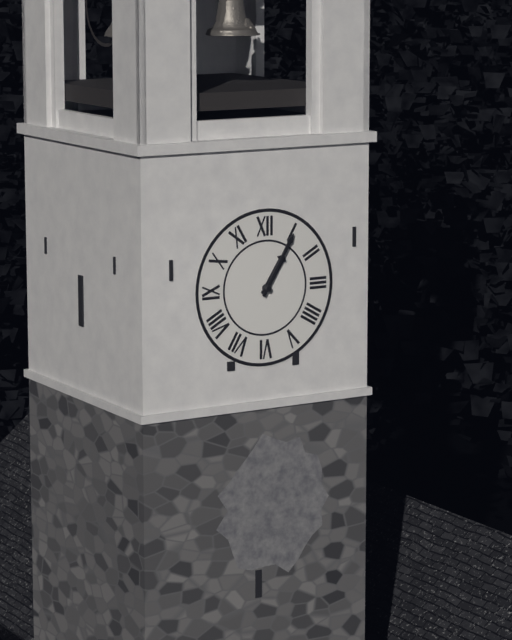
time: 1:05
